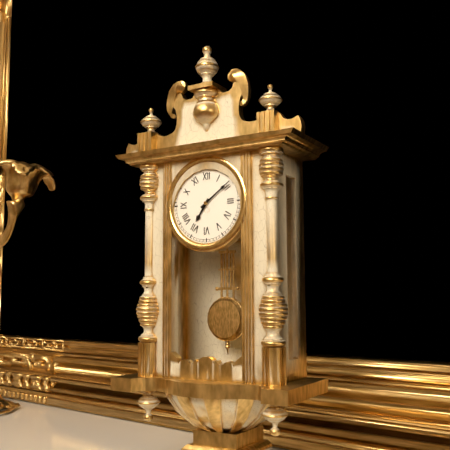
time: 7:09
